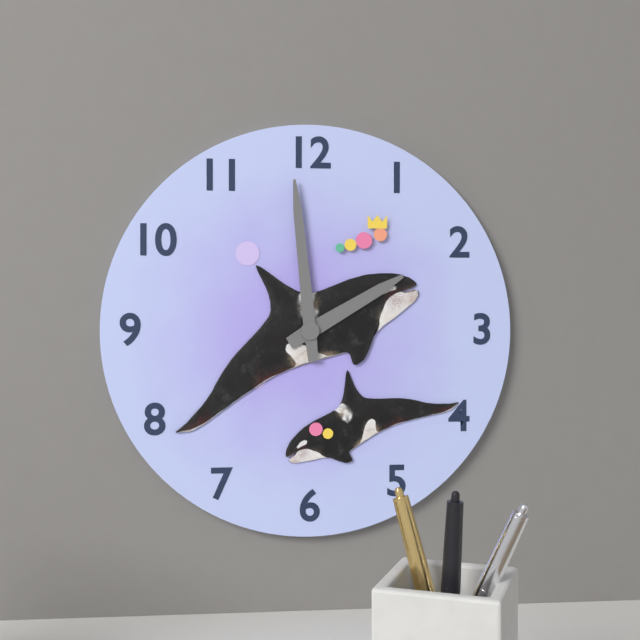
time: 1:59
